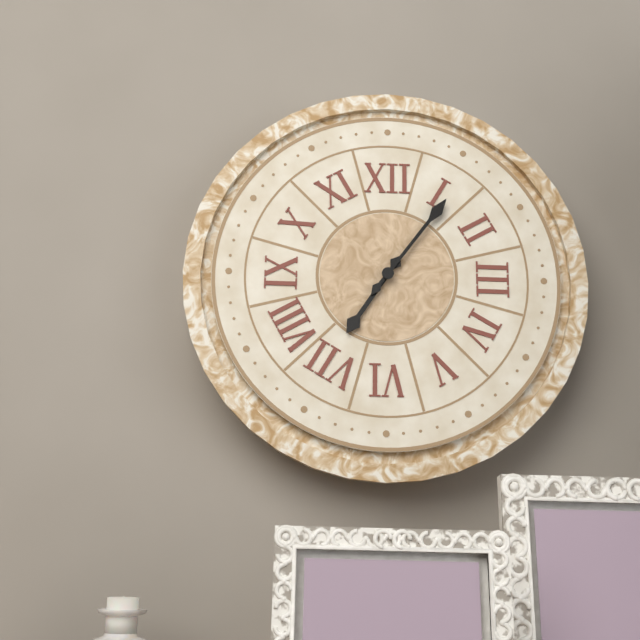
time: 7:06
